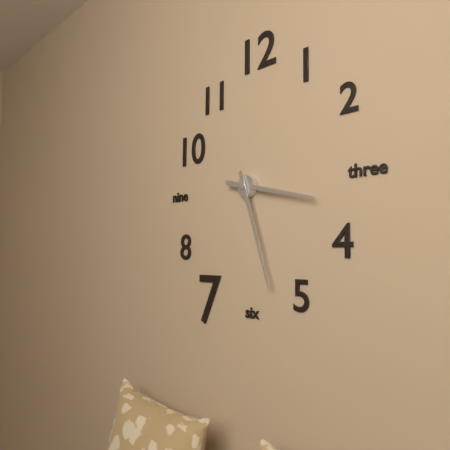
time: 3:27
